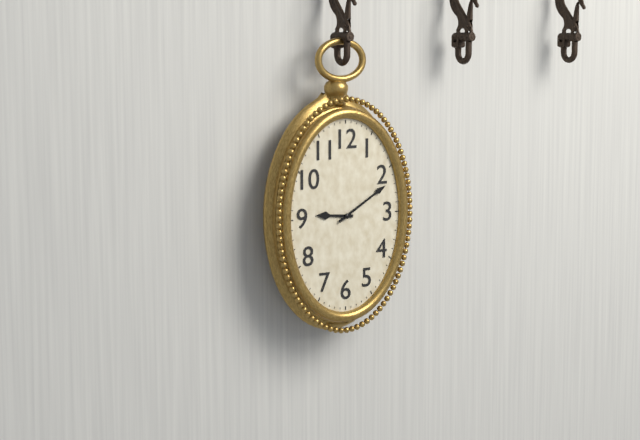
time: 9:10
